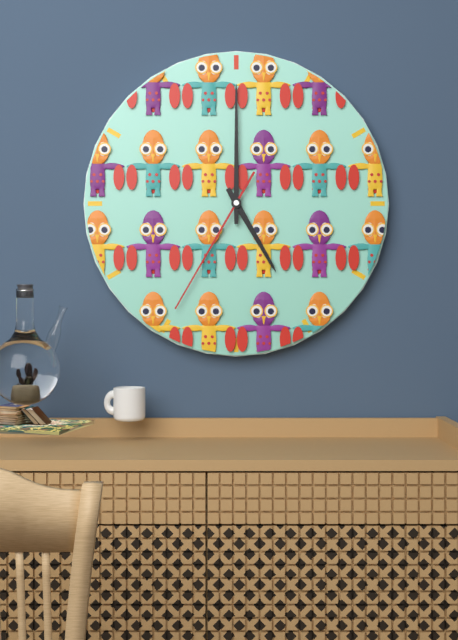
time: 5:00:35
